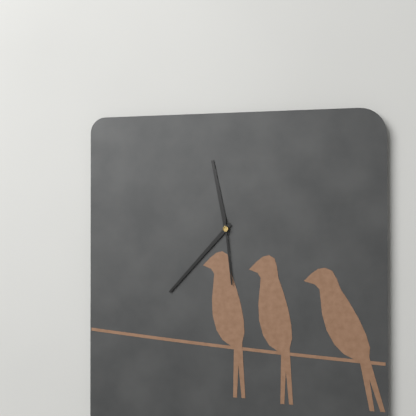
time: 11:37:29
